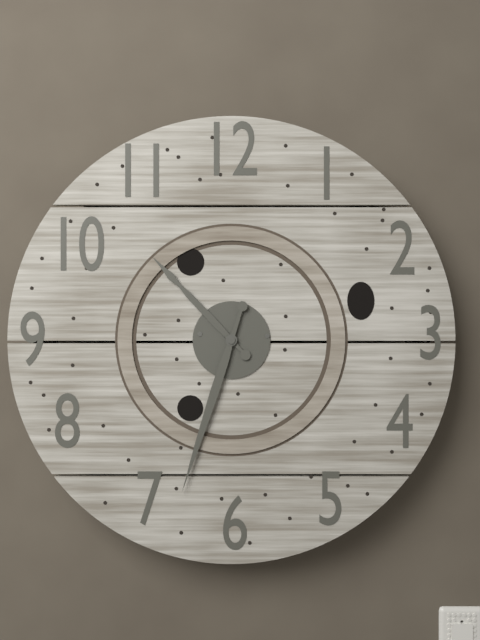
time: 10:33
